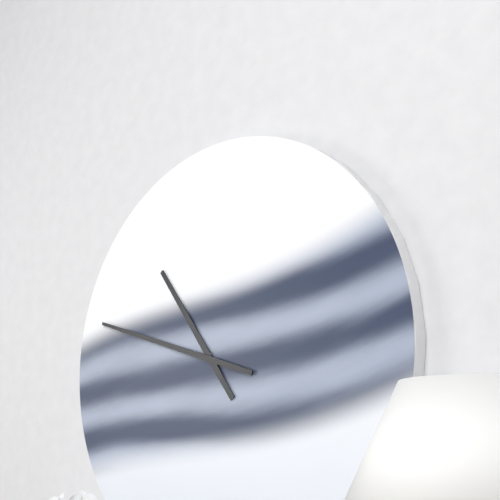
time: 10:48
